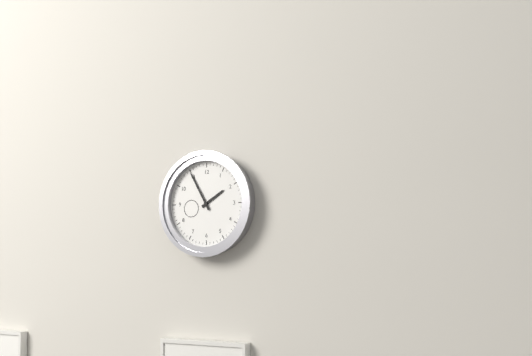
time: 1:55
